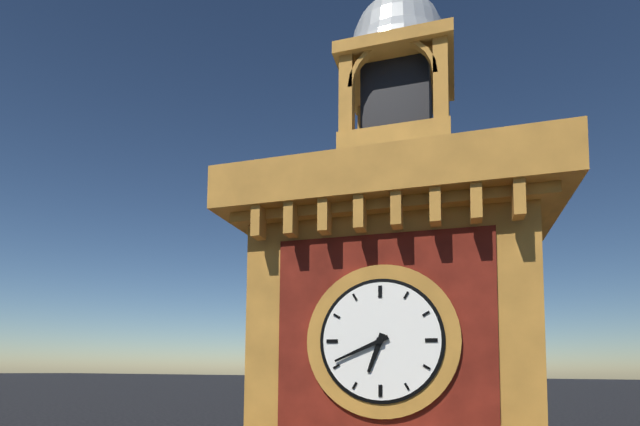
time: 6:41
